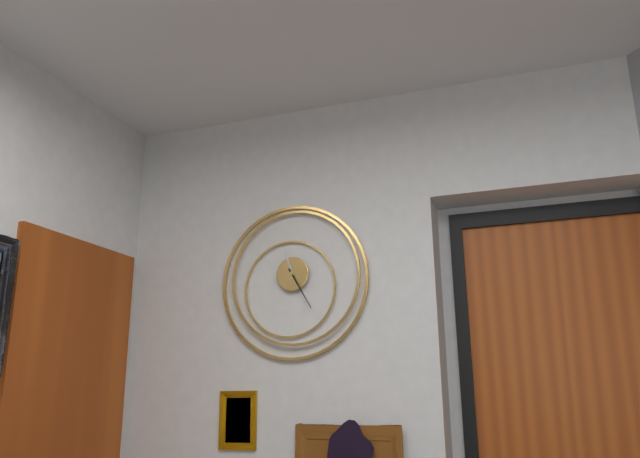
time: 11:25
